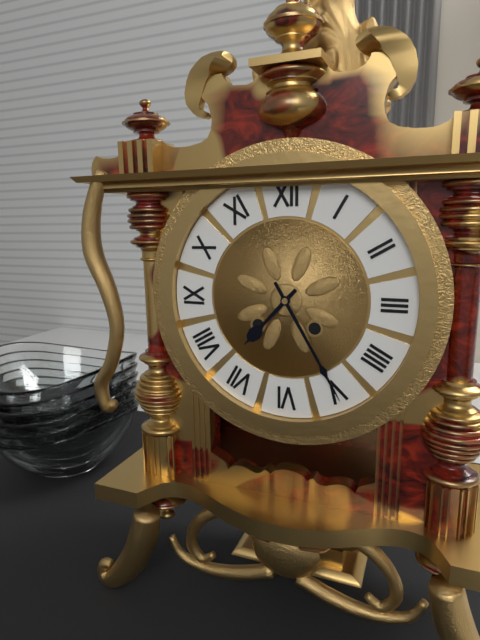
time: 7:25
